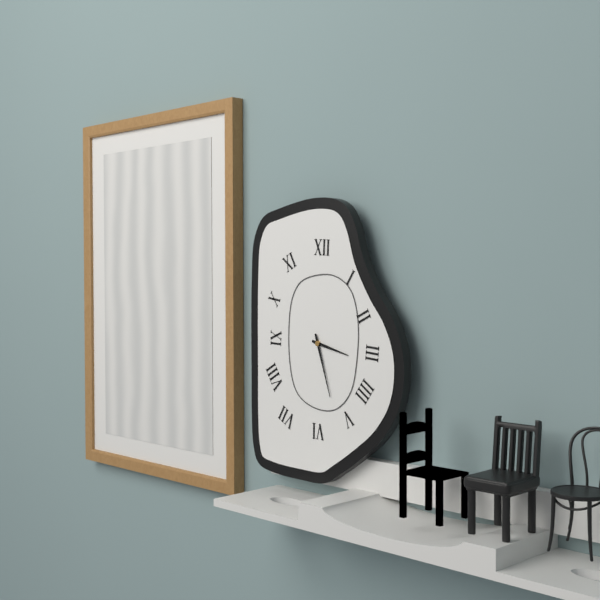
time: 3:27
